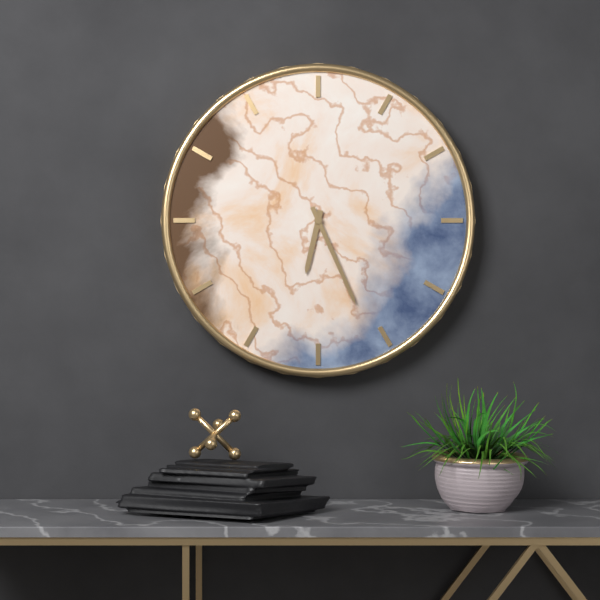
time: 6:26
